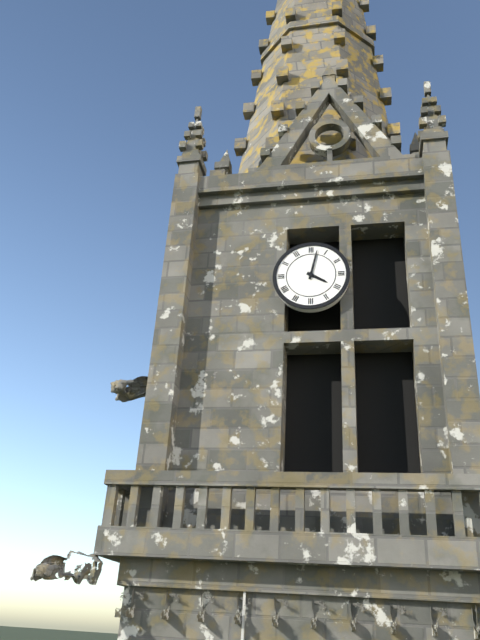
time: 4:02
